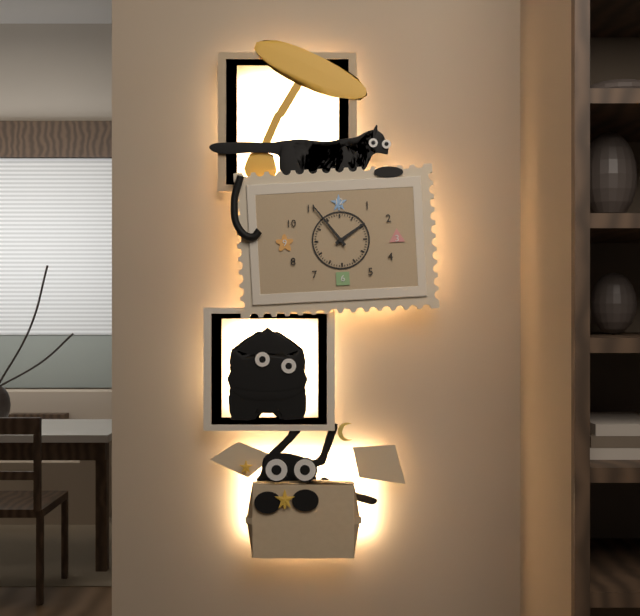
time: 1:54
